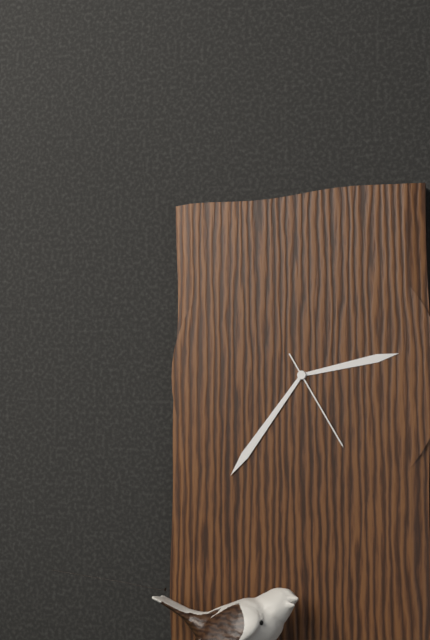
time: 2:36:25
